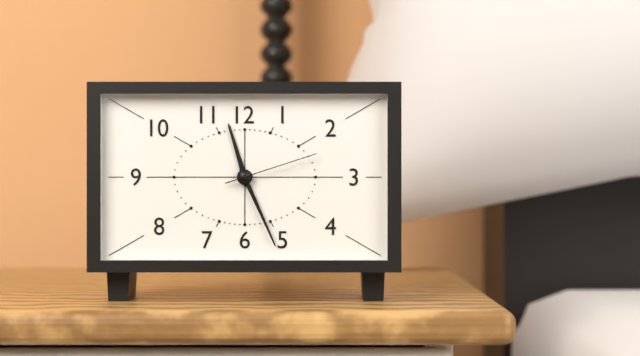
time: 11:26:12
